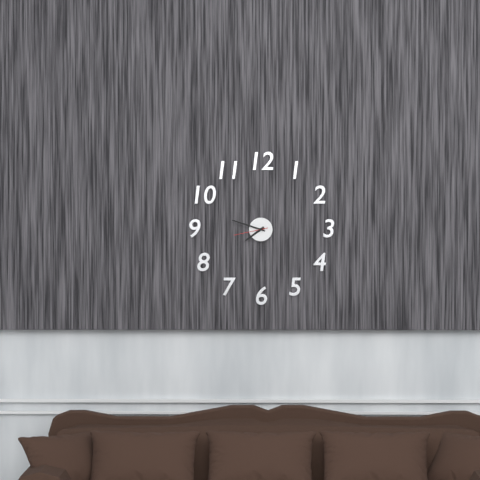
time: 7:48
